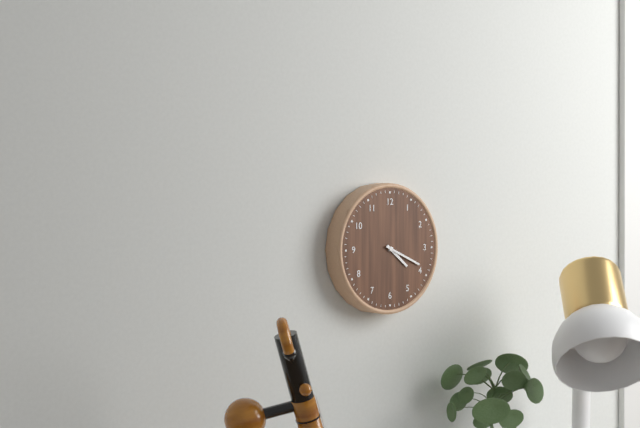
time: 4:19
